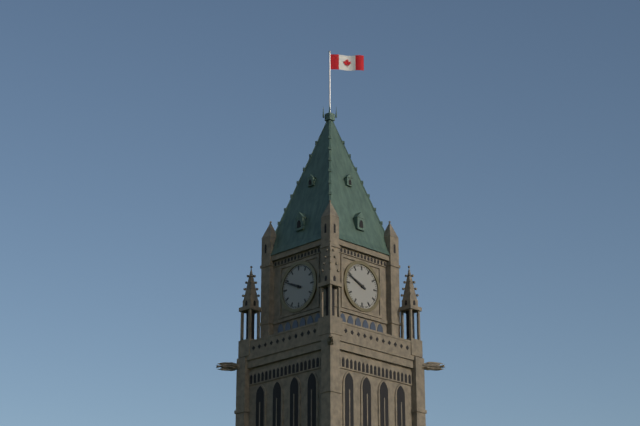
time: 9:49
